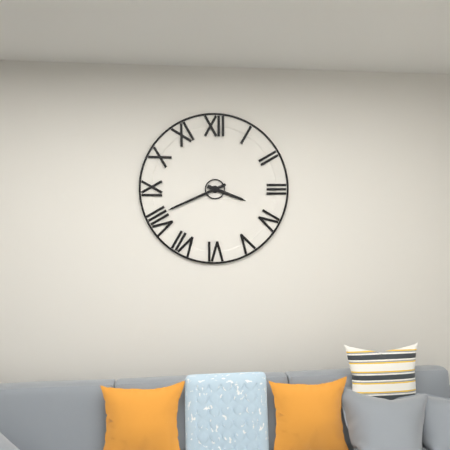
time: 3:41
